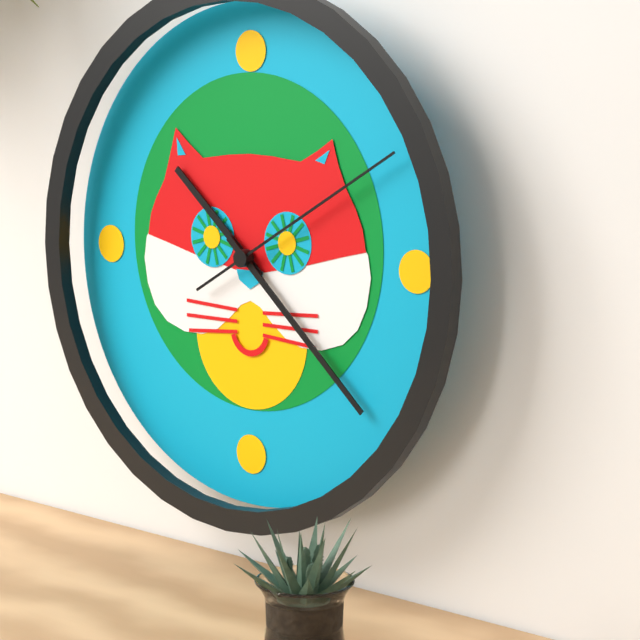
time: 10:22:10
